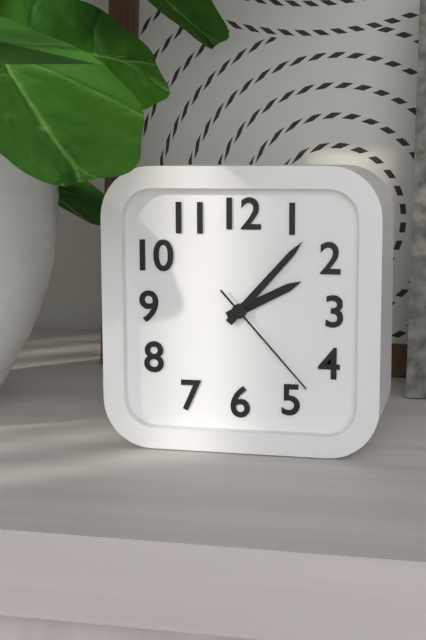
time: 2:07:23
